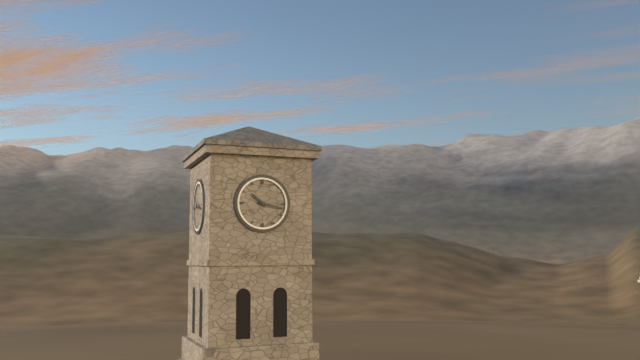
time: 10:17
